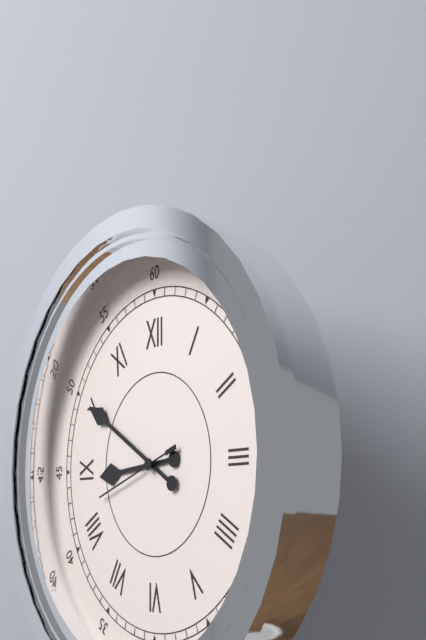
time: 8:50:42
